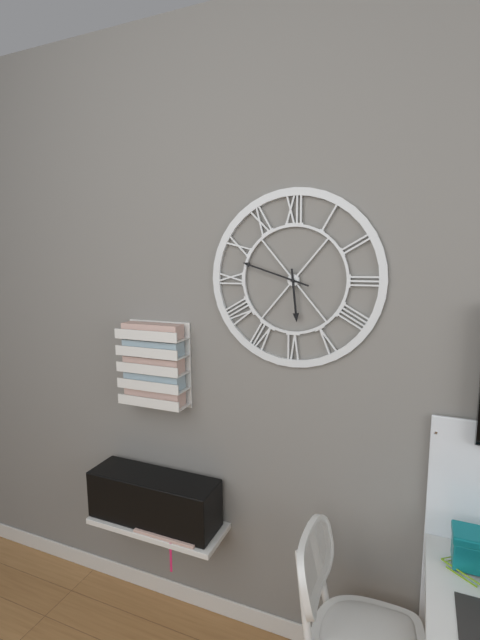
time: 5:48
